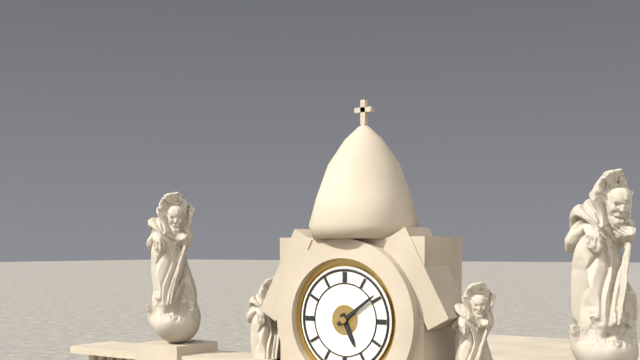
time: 5:09
